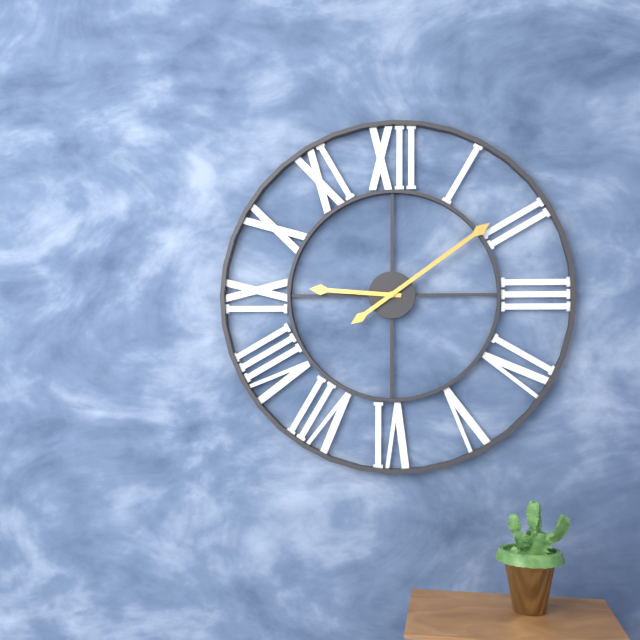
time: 9:09
